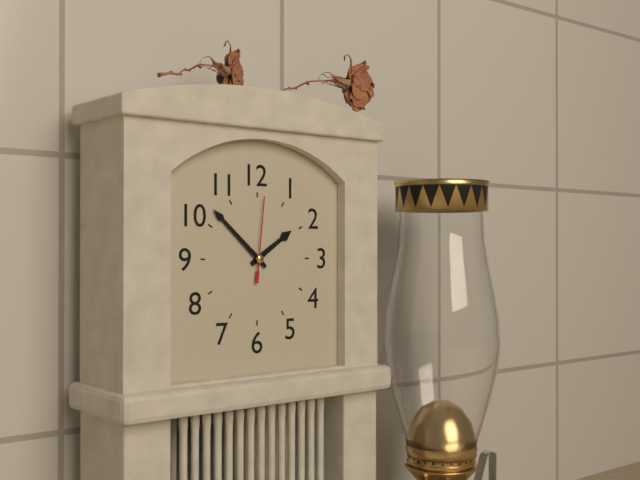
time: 1:52:01
